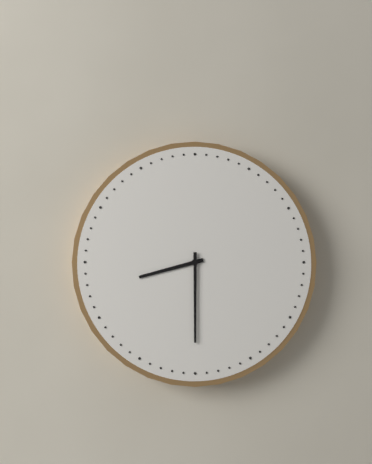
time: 8:30
